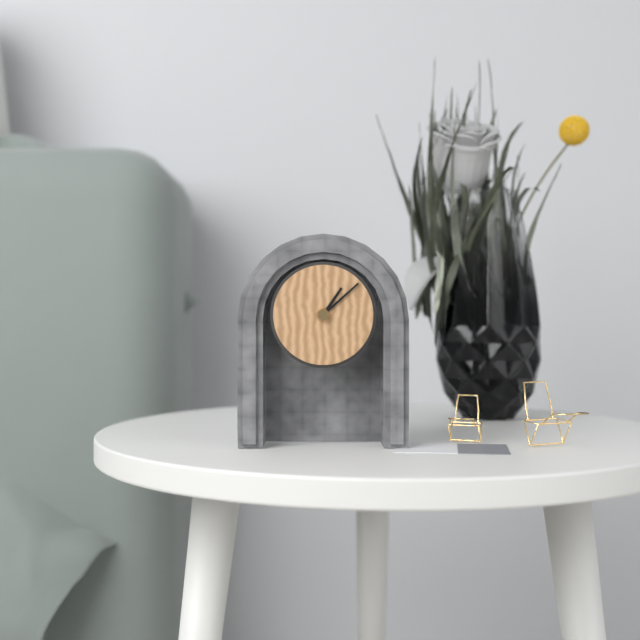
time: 1:08
